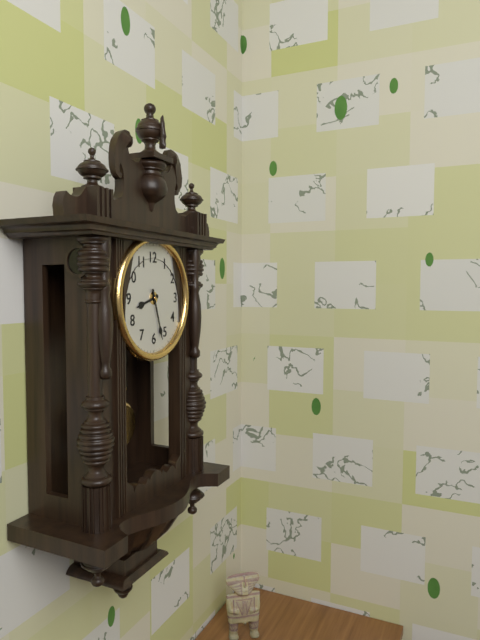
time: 8:27
